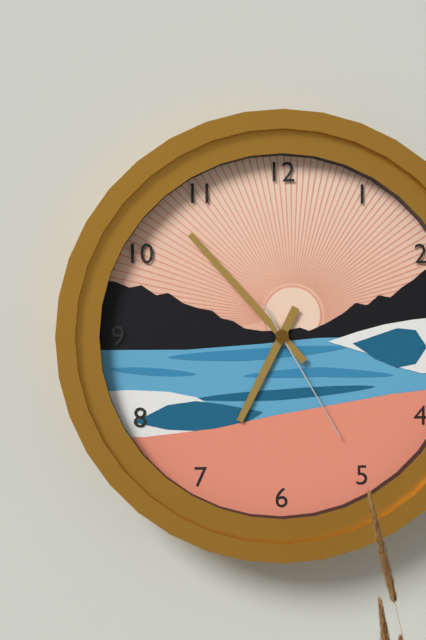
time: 6:53:25
